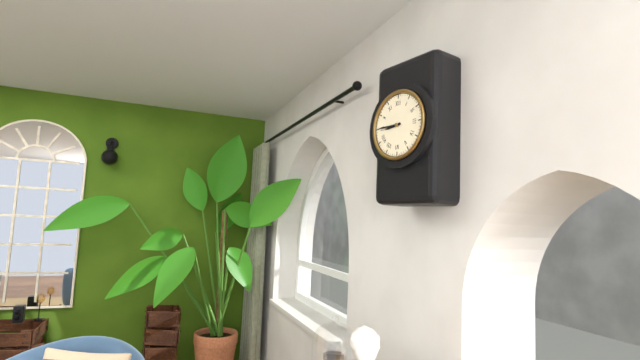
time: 8:45
